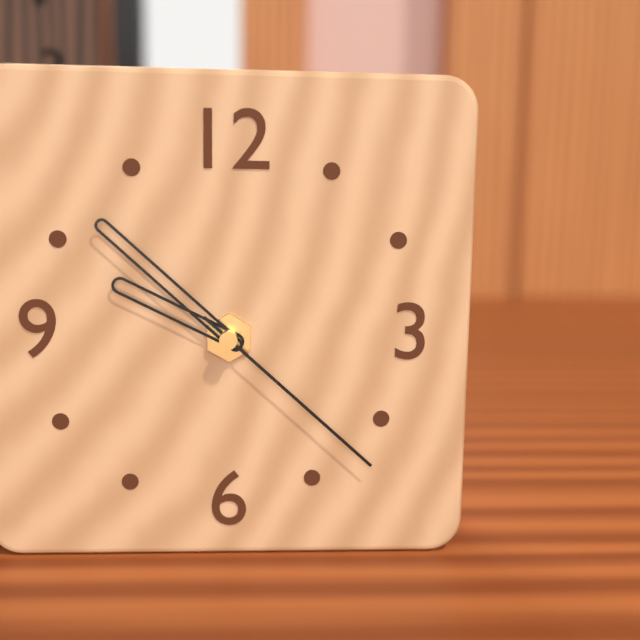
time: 9:52:22
